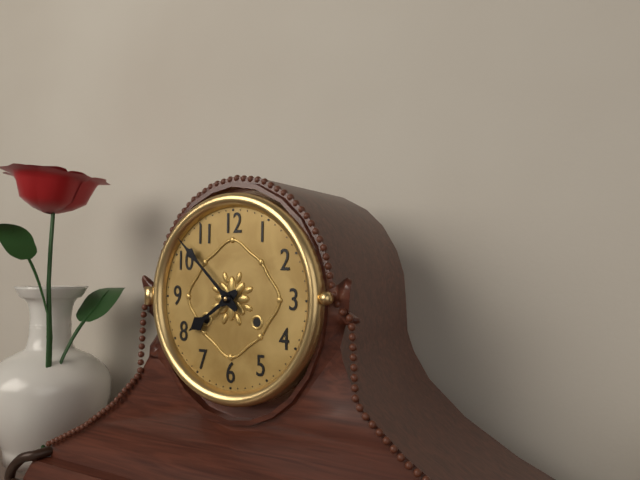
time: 7:52
